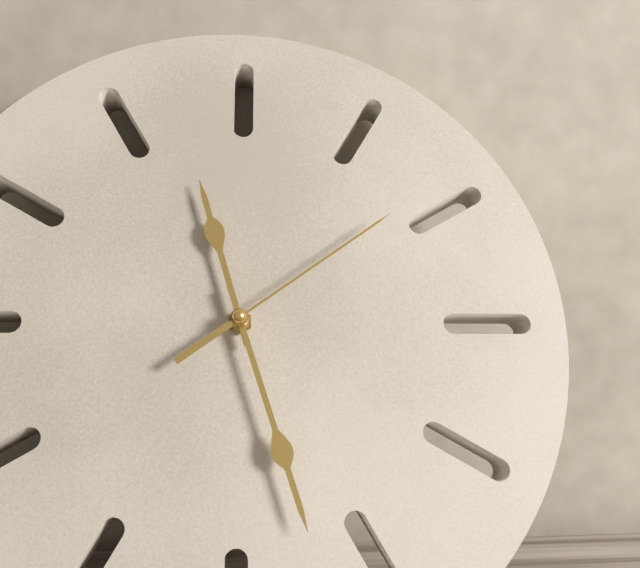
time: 11:27:09
